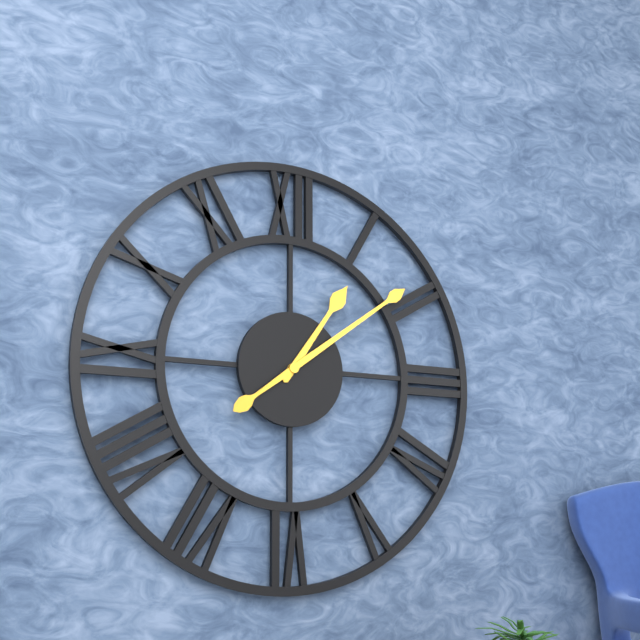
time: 1:09
